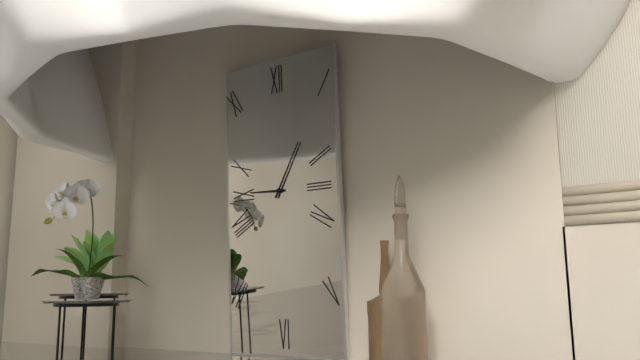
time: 9:05
